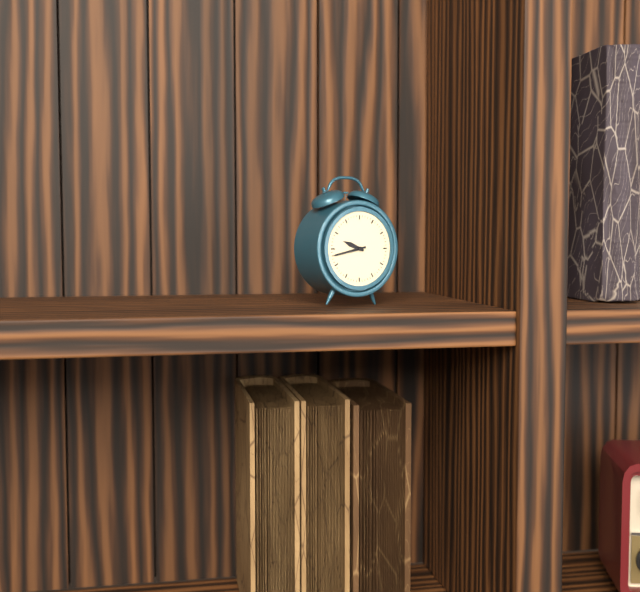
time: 9:43
